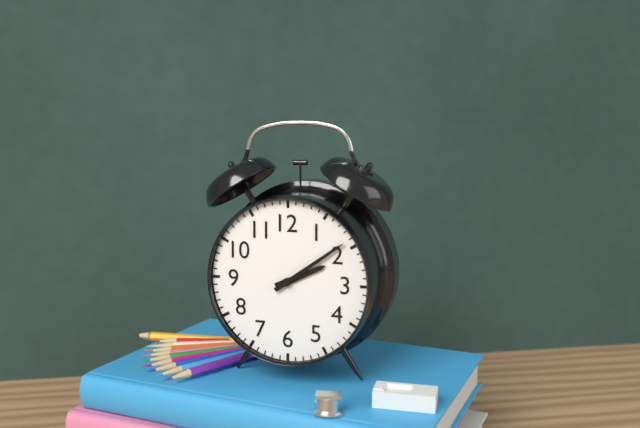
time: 2:09
